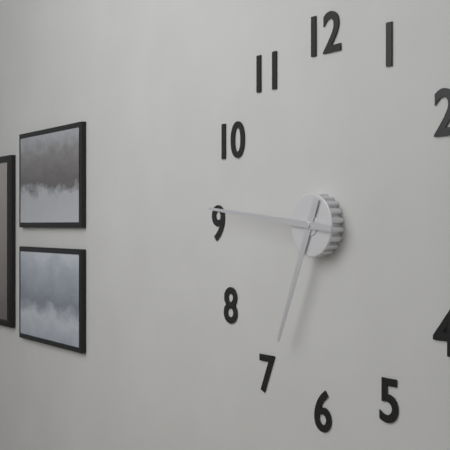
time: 6:46
